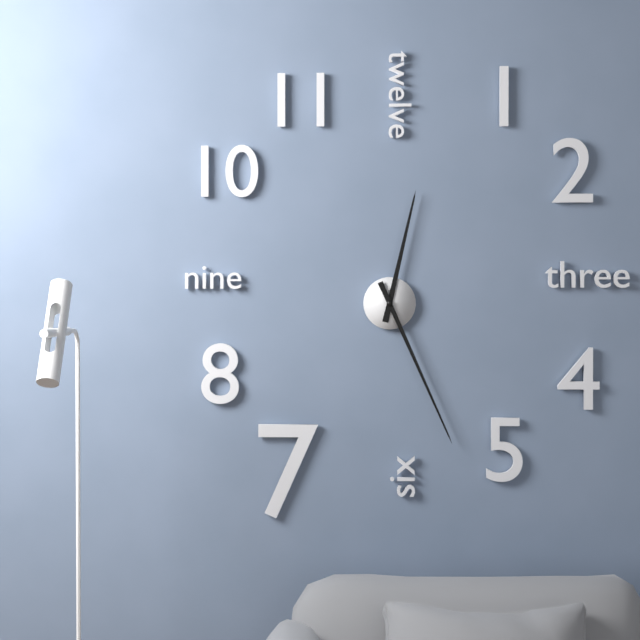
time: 12:26
